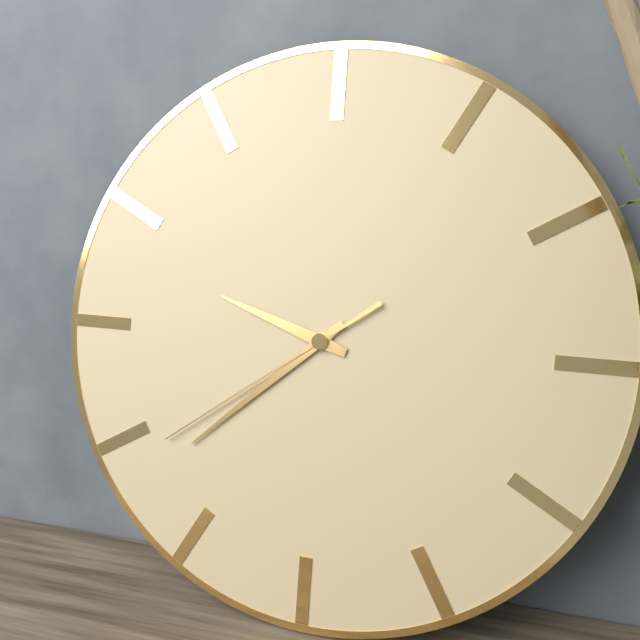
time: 9:38:39
